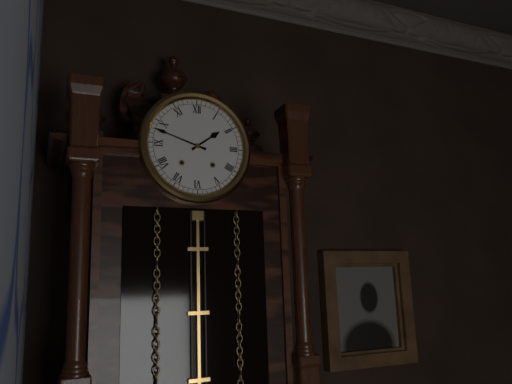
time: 1:48
